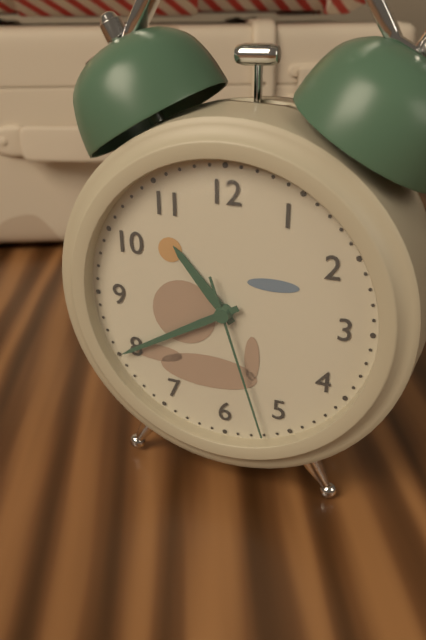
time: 10:40:27
